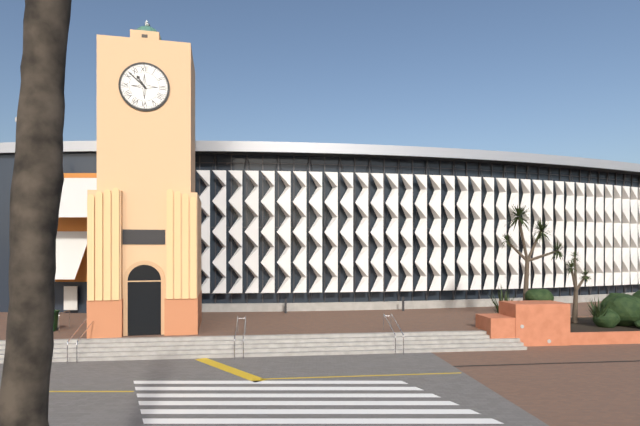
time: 10:52
